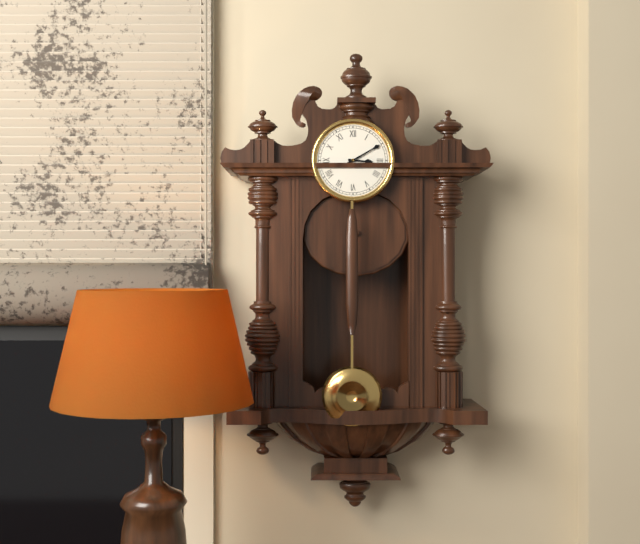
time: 3:10
